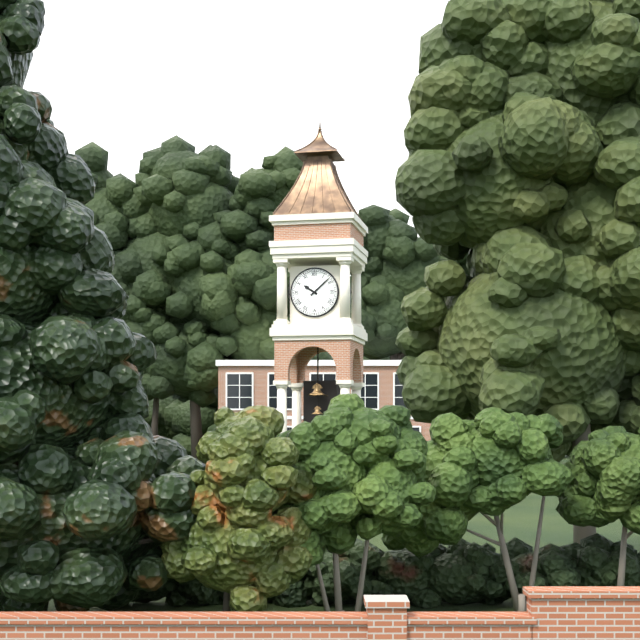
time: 10:08
